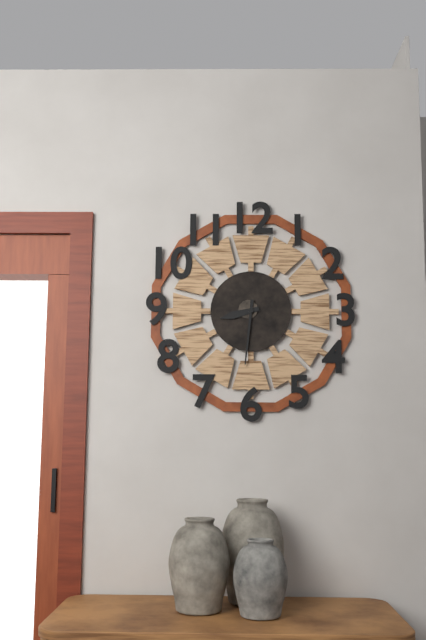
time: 8:31
